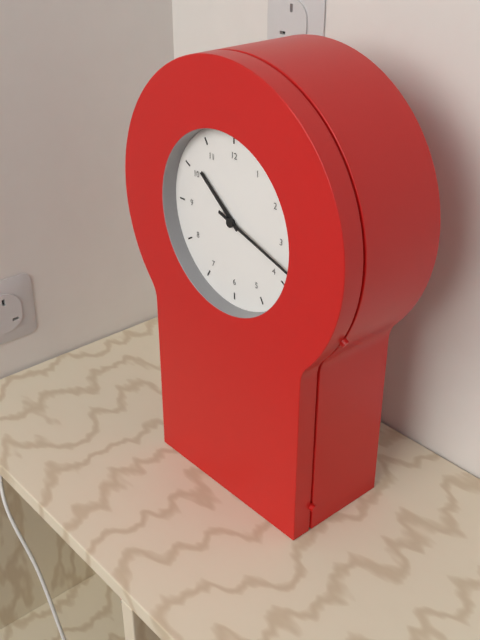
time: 10:18
